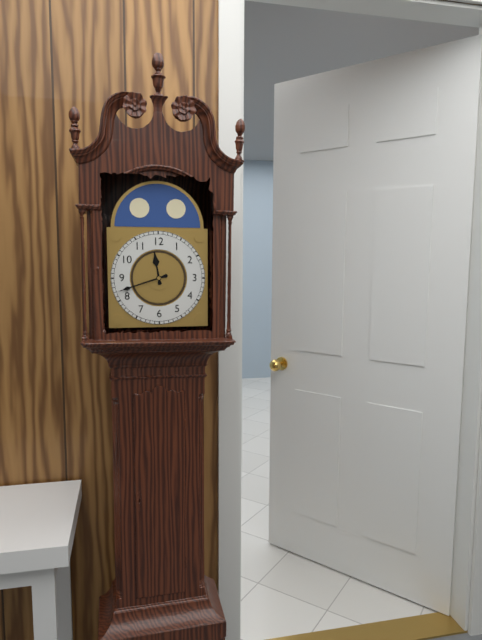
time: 11:42
